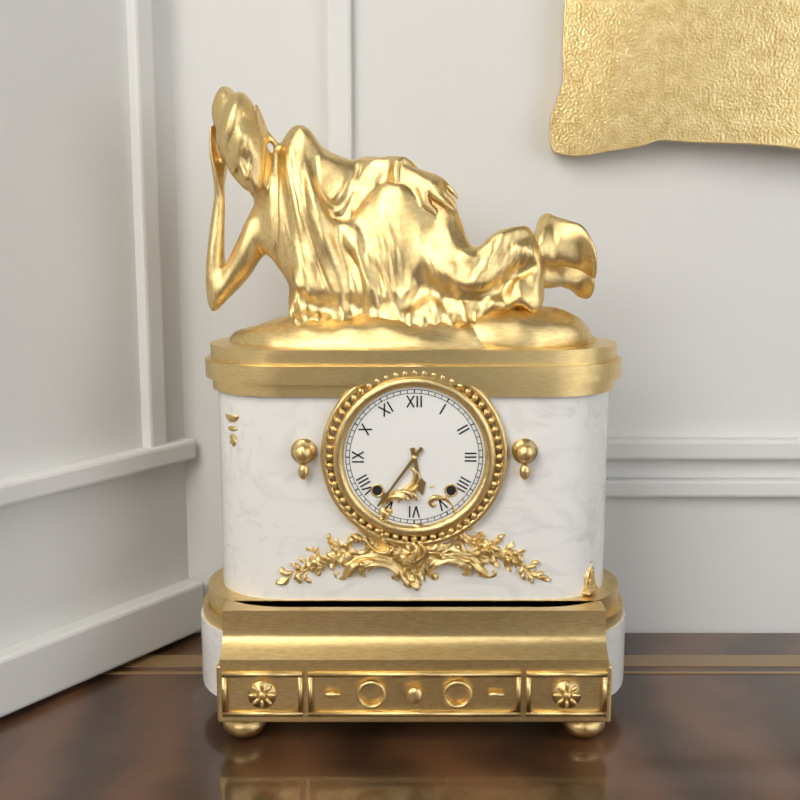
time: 5:36
